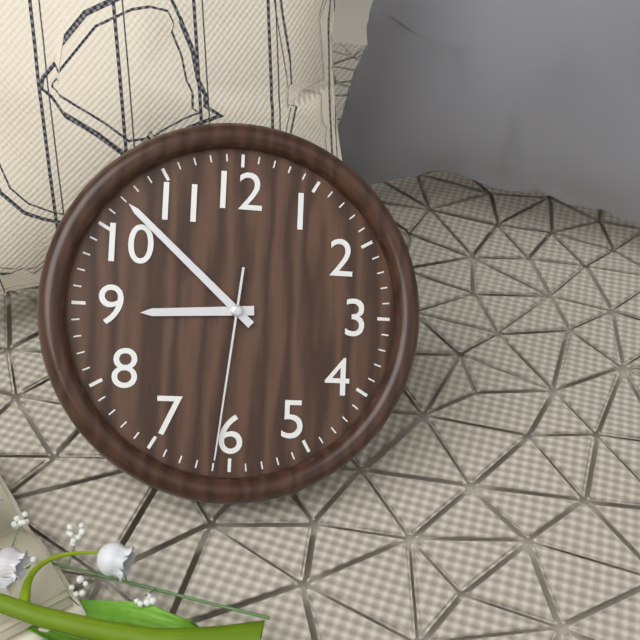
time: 8:52:31
